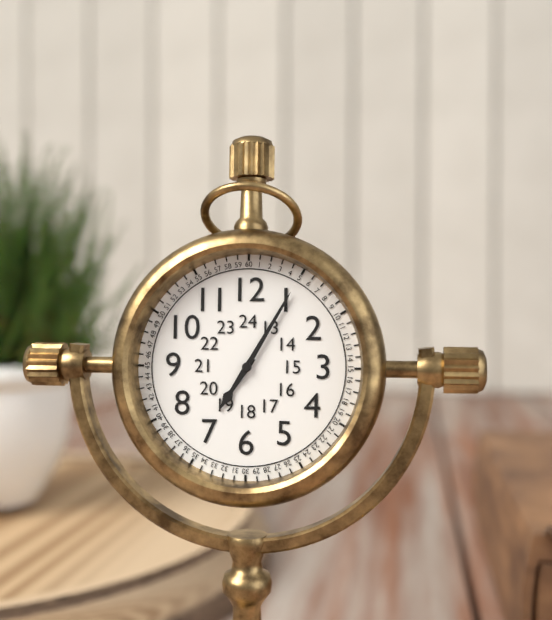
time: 7:05
